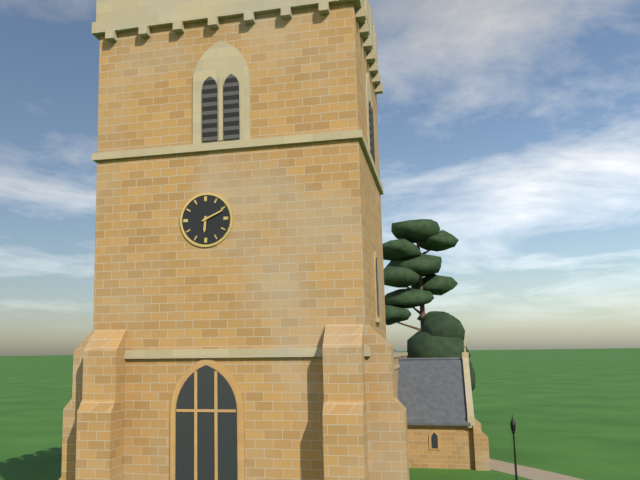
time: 6:11
